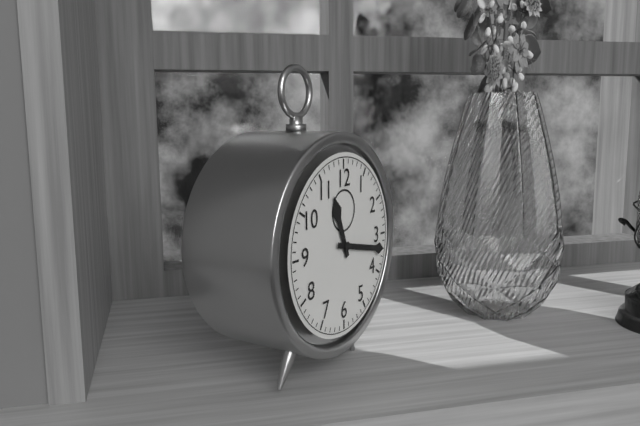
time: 11:17
